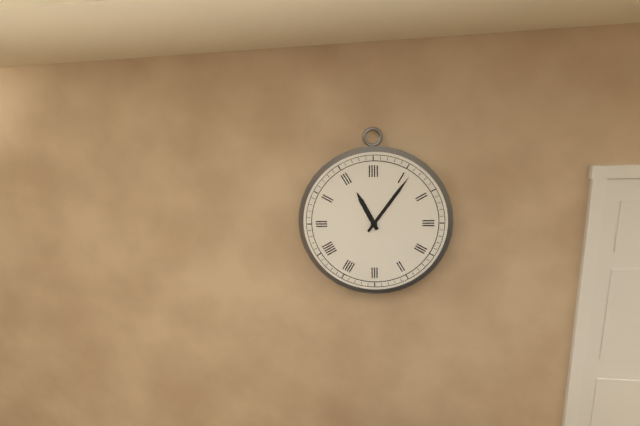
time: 11:06
